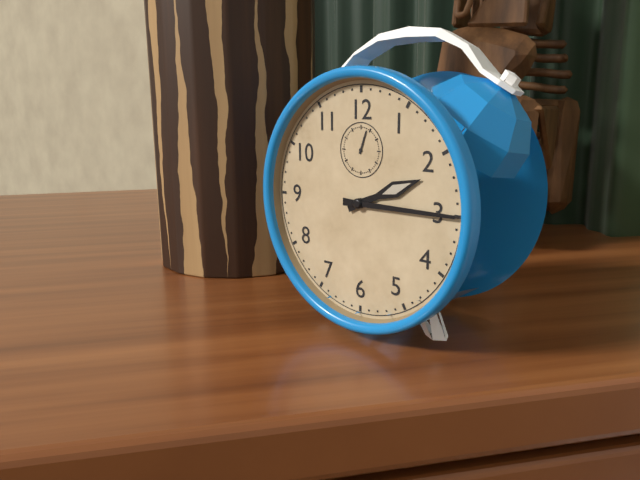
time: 2:15
